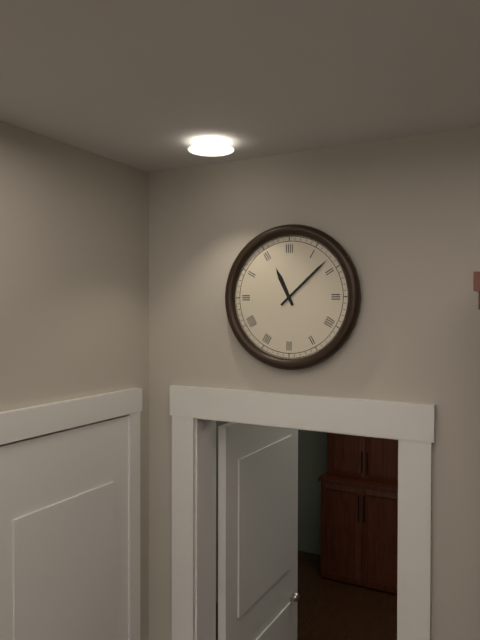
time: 11:08
